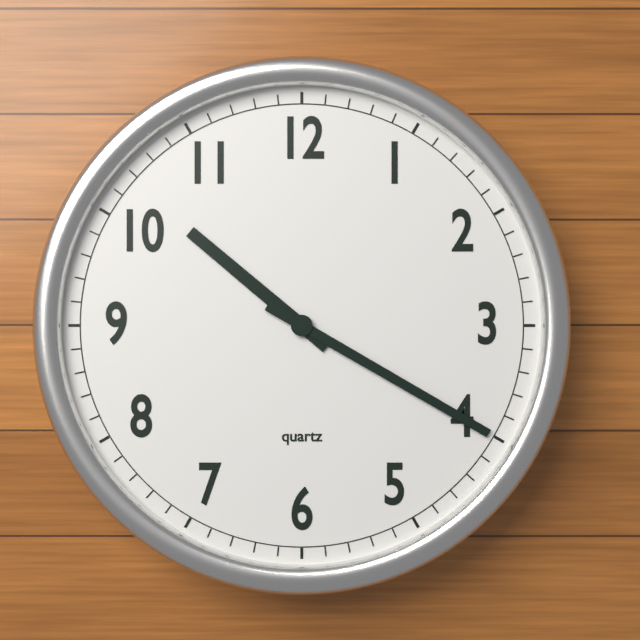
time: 10:20
